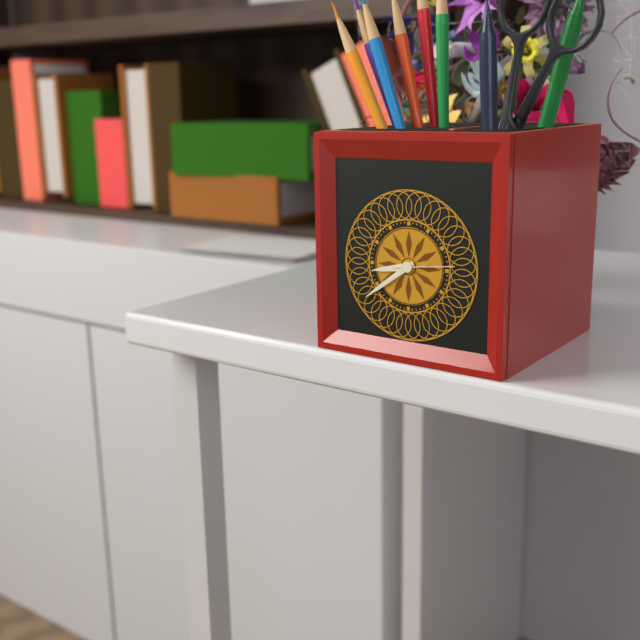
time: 8:39:14
